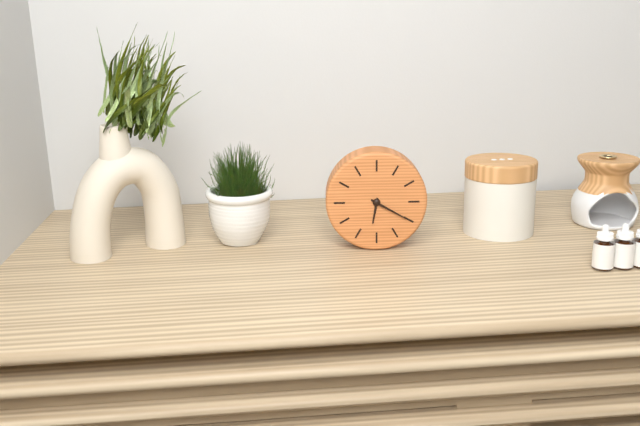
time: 6:20
